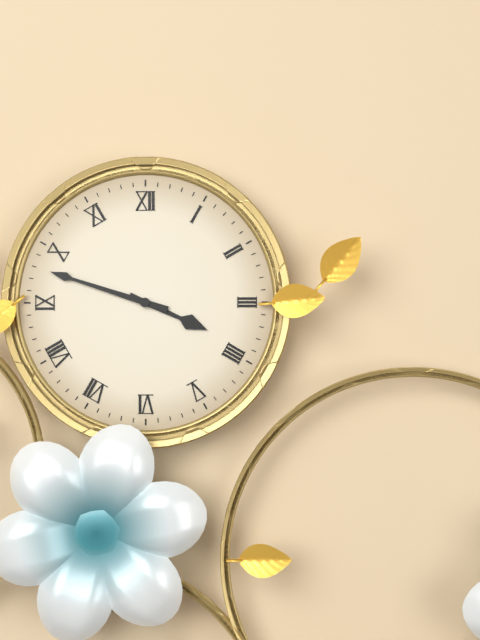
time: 3:48
